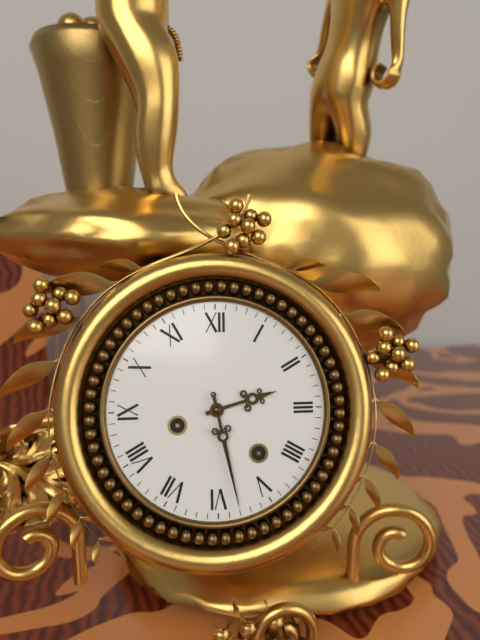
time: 2:28
